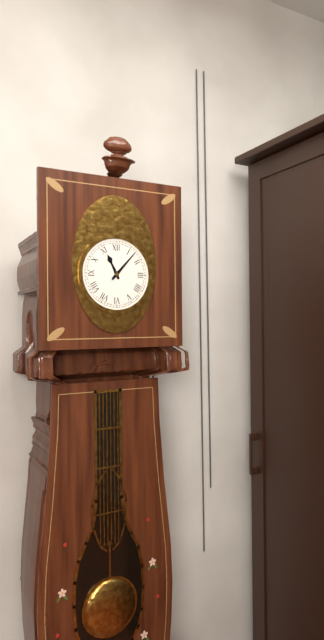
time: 11:07
